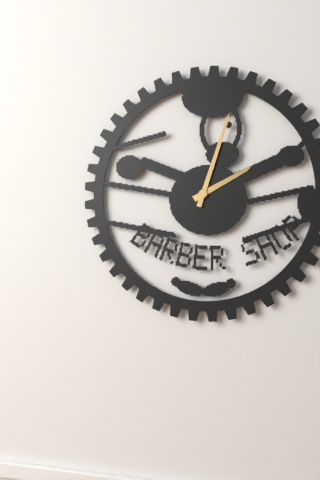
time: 2:03
